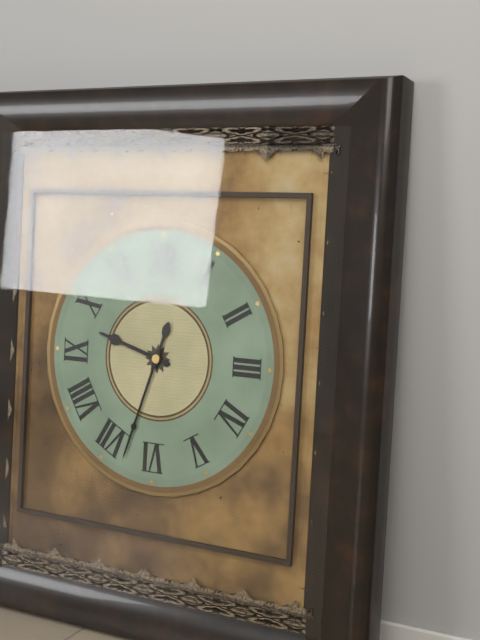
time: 9:33
